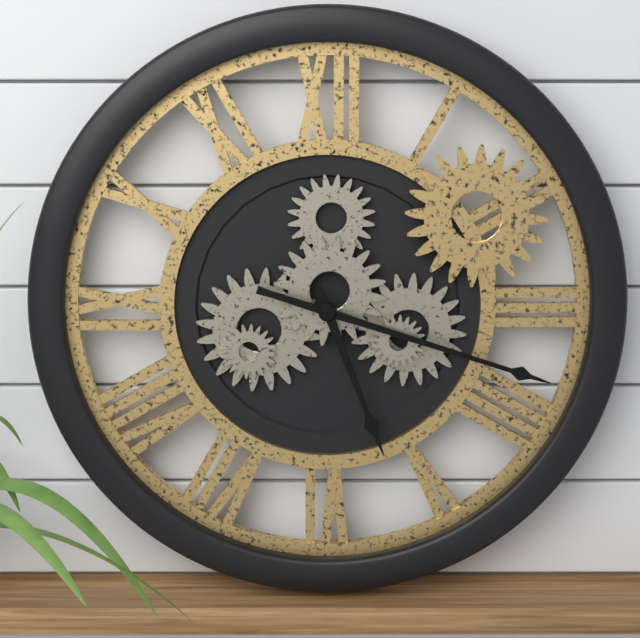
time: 5:18
